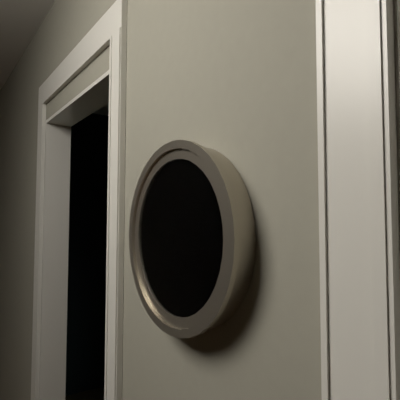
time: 1:07
